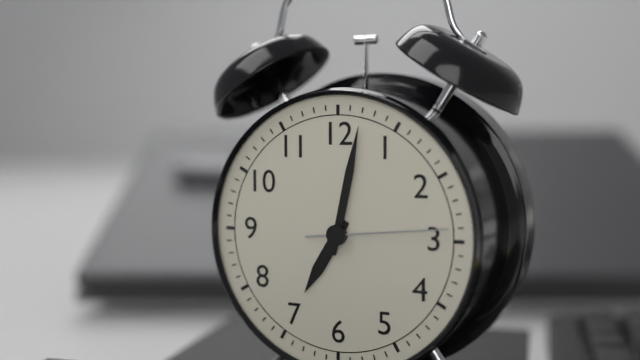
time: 7:02:14
